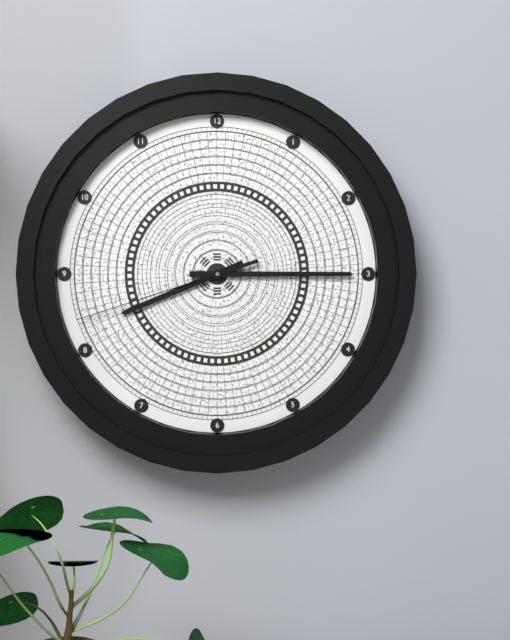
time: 8:15:42
